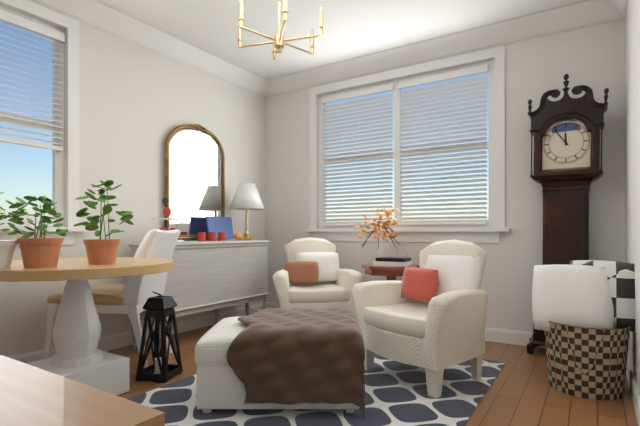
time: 11:54
